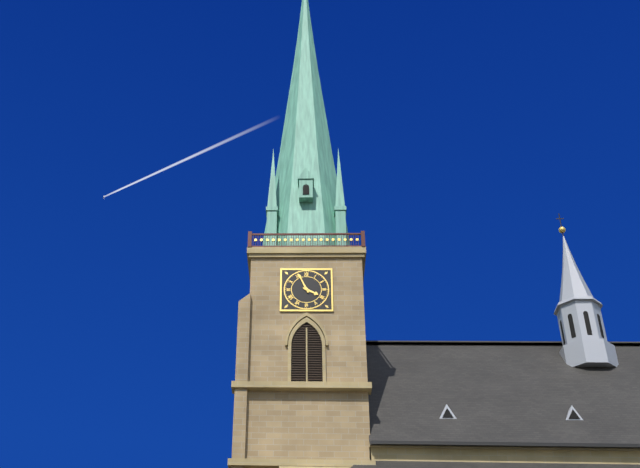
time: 3:56
